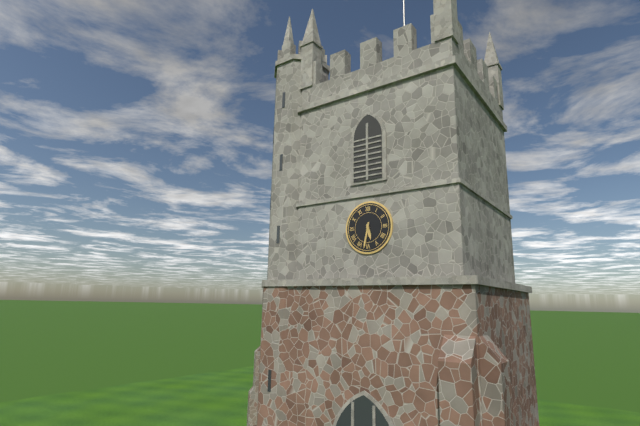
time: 5:32
